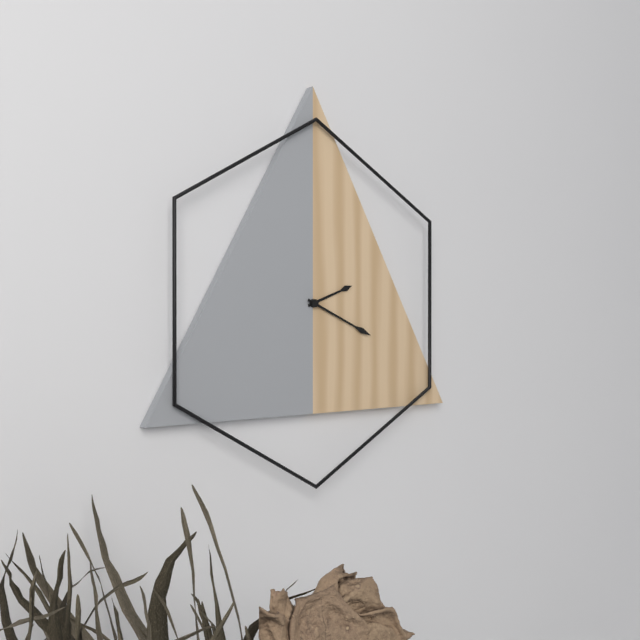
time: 2:19
